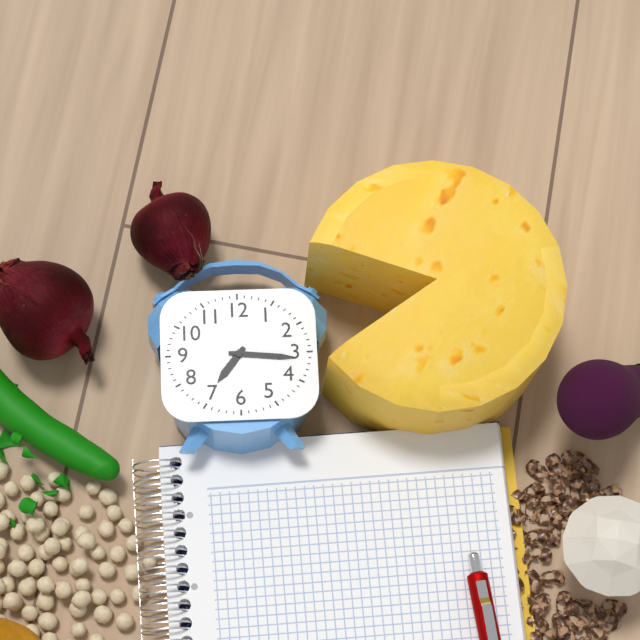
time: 7:16
